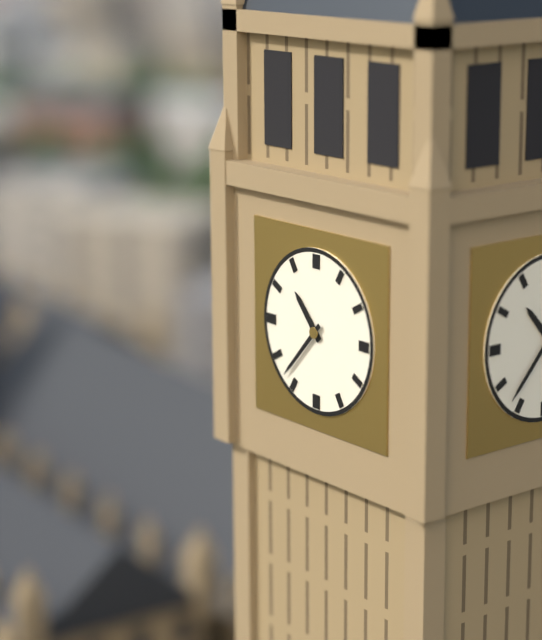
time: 10:37
